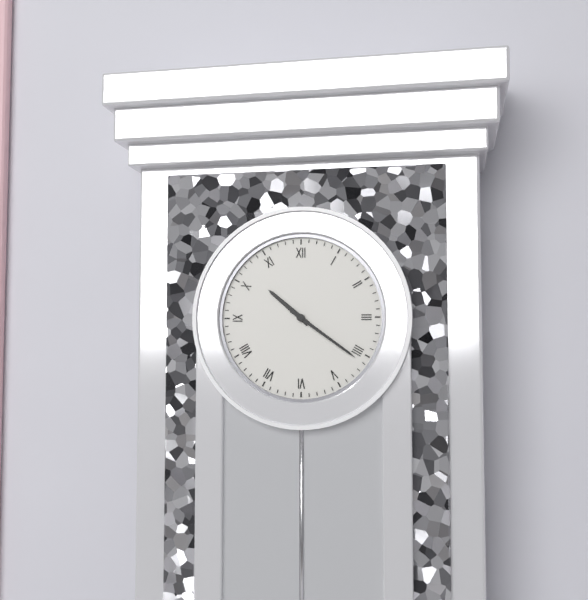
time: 10:21
